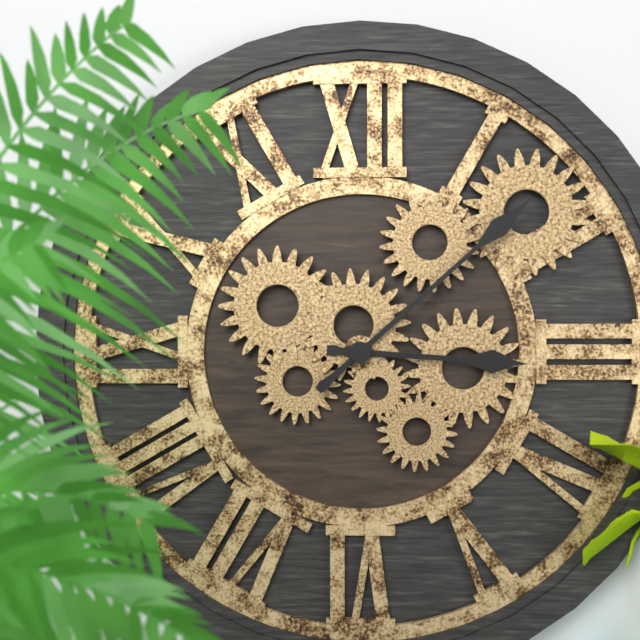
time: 3:08
